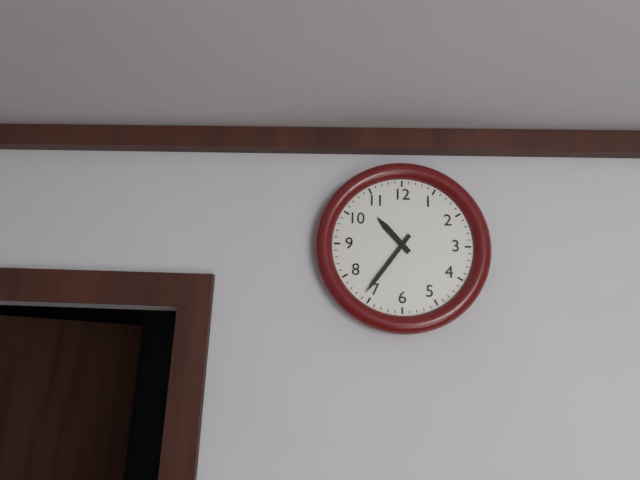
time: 10:36
